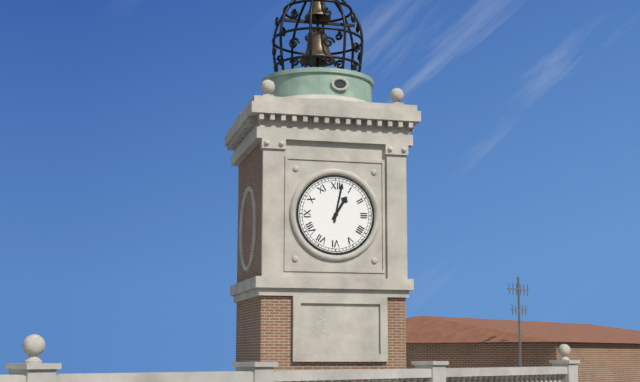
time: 1:02
